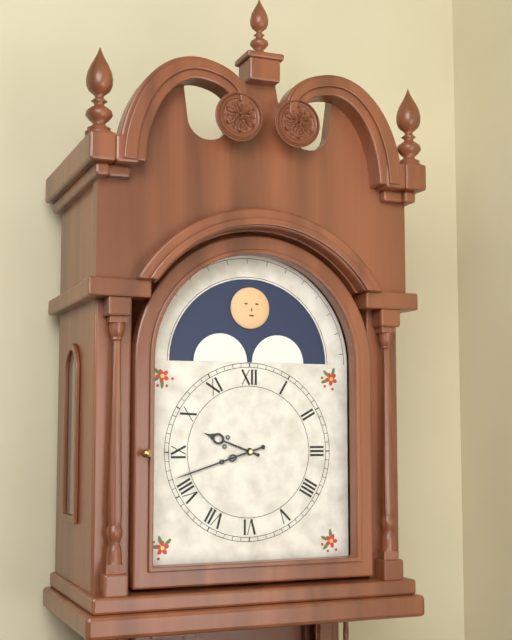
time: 9:42
